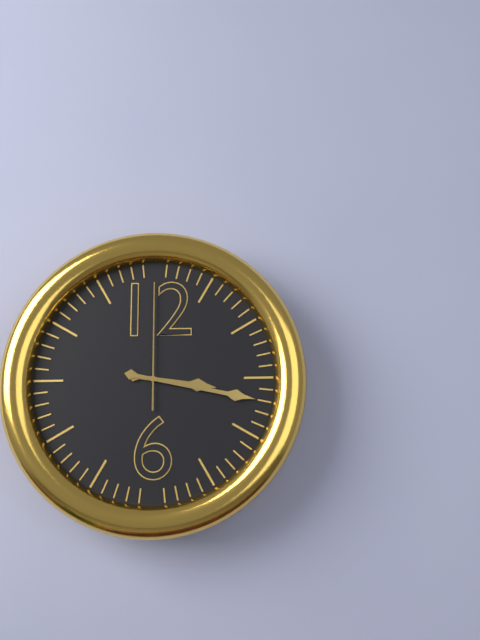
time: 3:17:00
